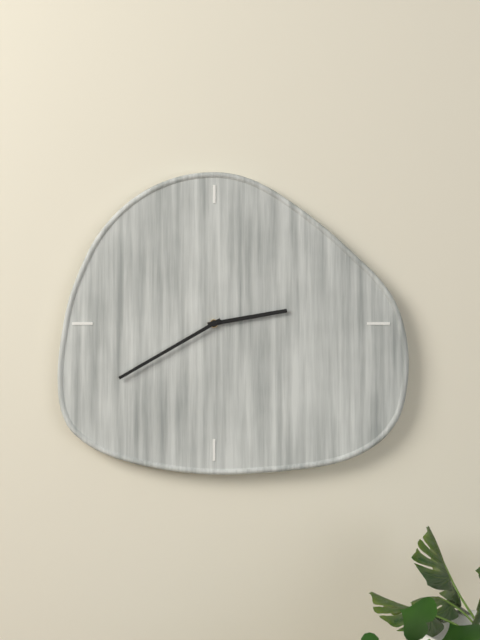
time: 2:40
